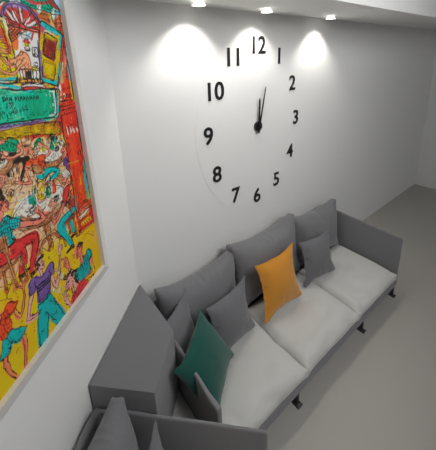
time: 12:02
